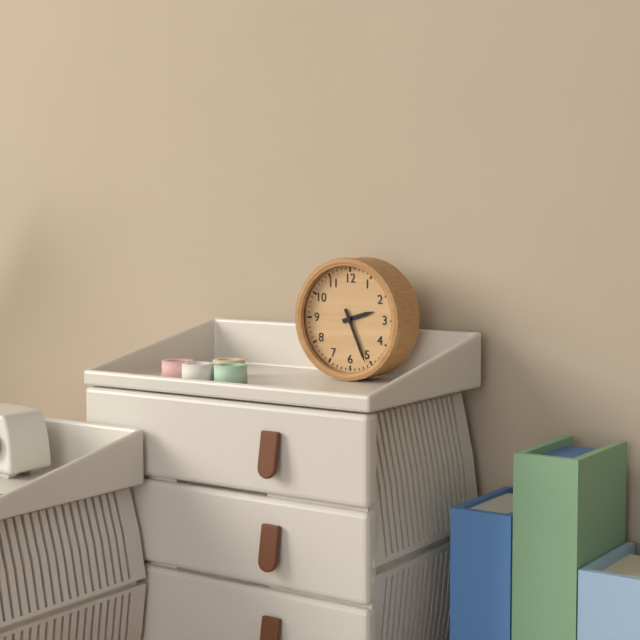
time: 2:26
